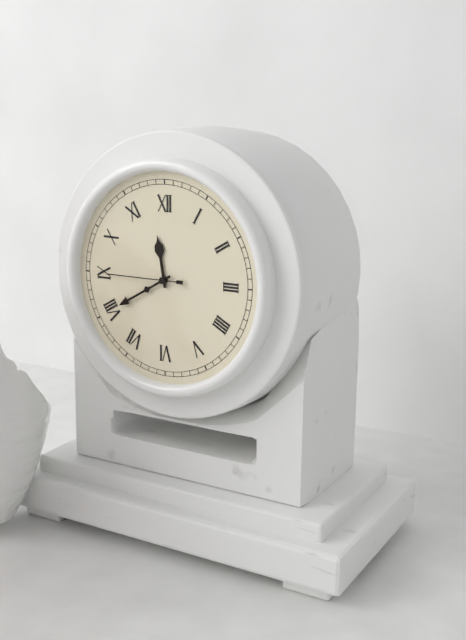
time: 11:40:45
